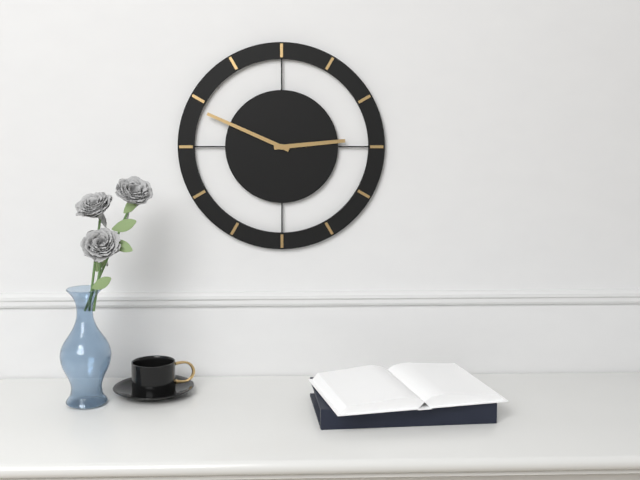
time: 2:49
